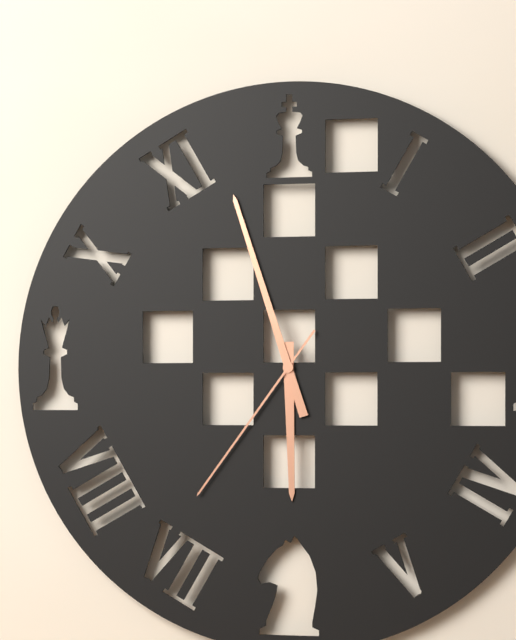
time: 5:57:36
